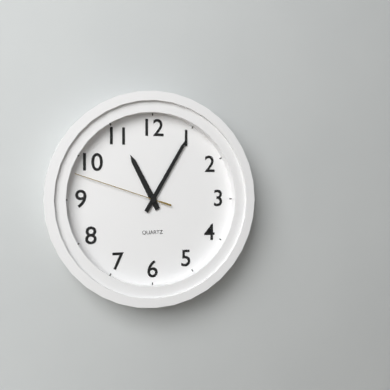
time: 11:05:48
